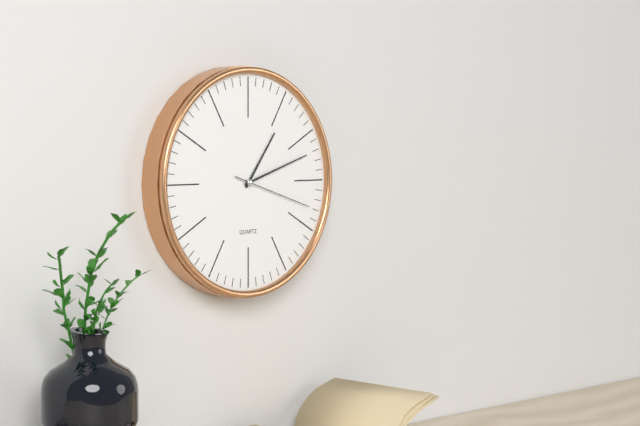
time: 1:12:18
